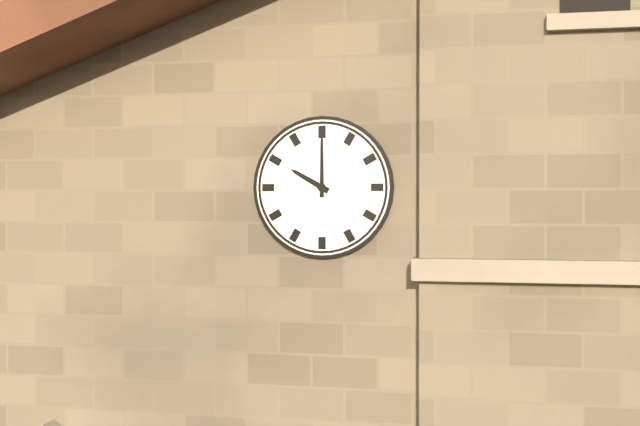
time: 10:00
